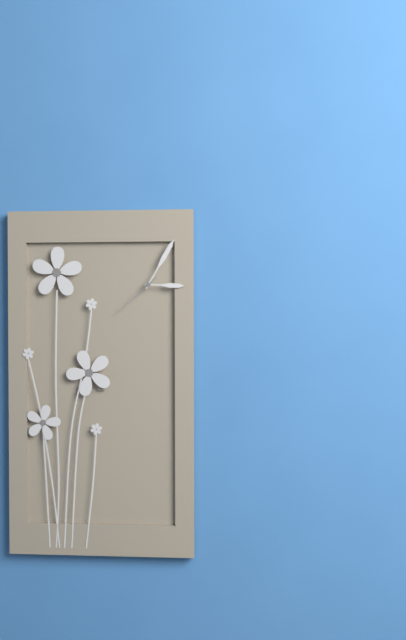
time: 3:05:38
